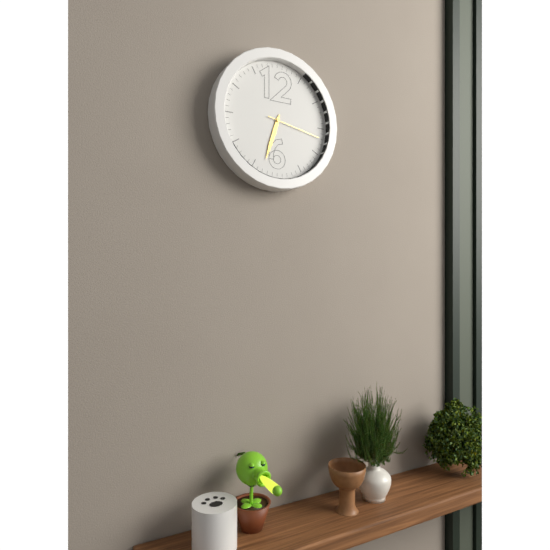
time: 6:33:17
